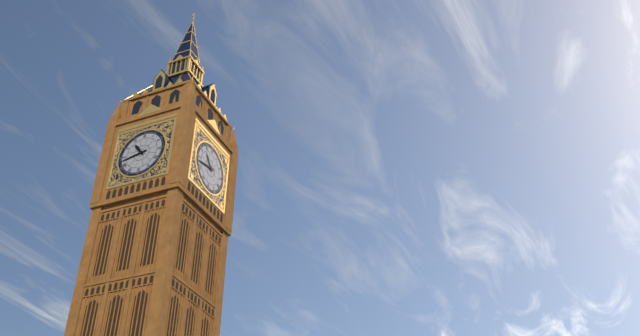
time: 10:43
